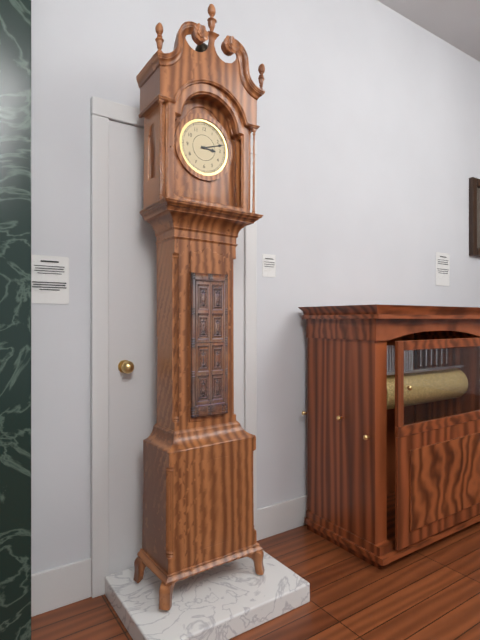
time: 3:12
